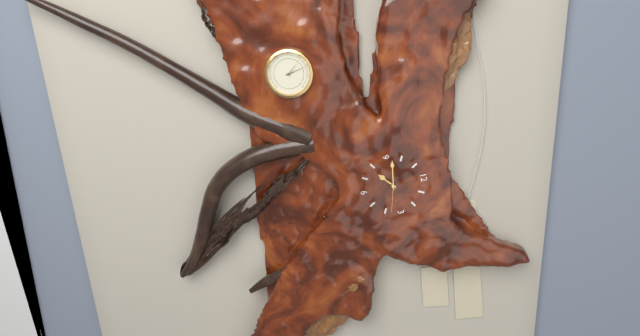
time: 7:47
